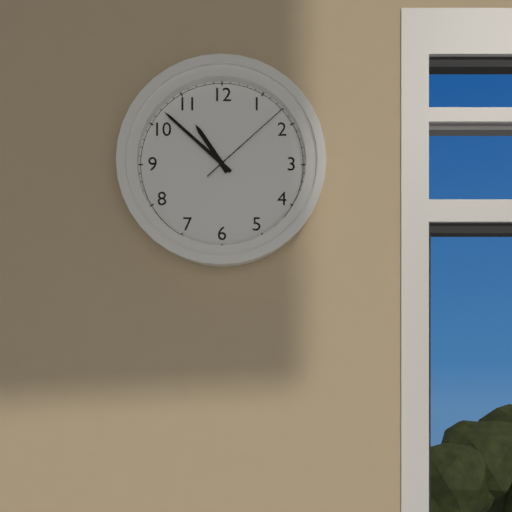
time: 10:52:08
